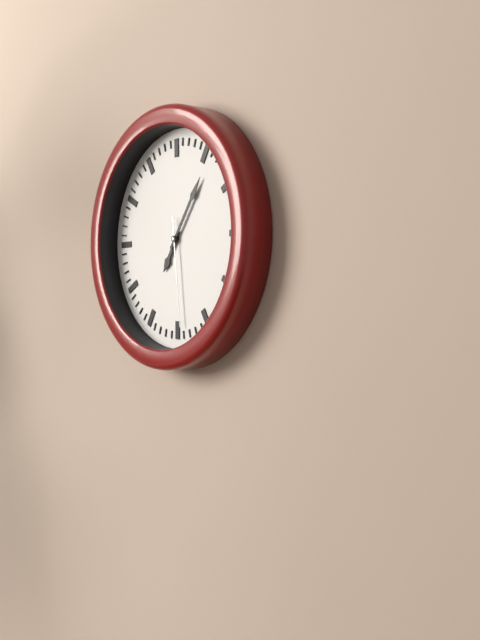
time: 7:06:29
